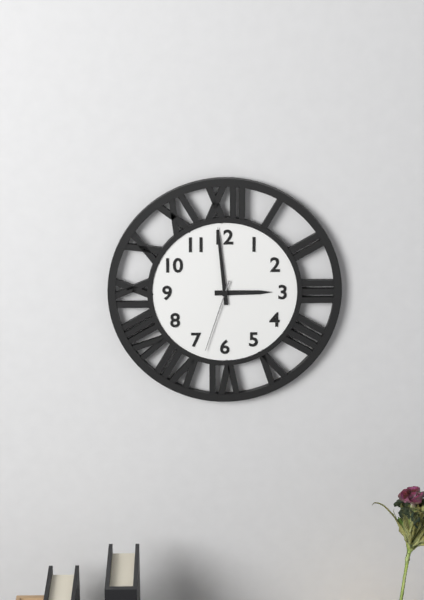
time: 2:59:33
